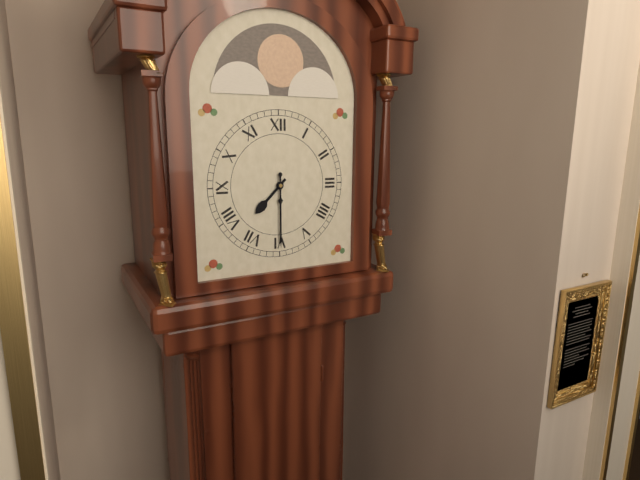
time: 7:30
